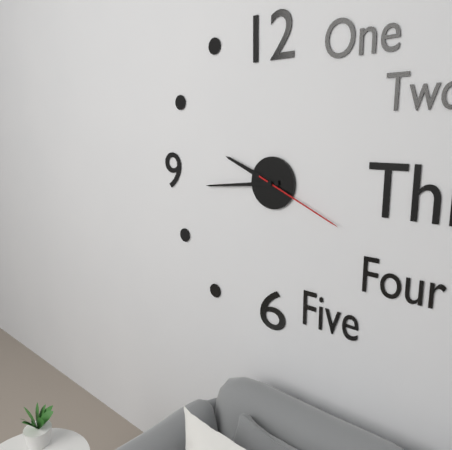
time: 9:44:19
